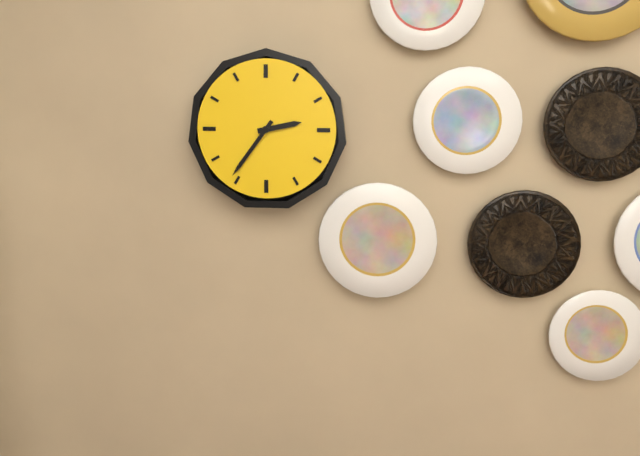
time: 2:36
